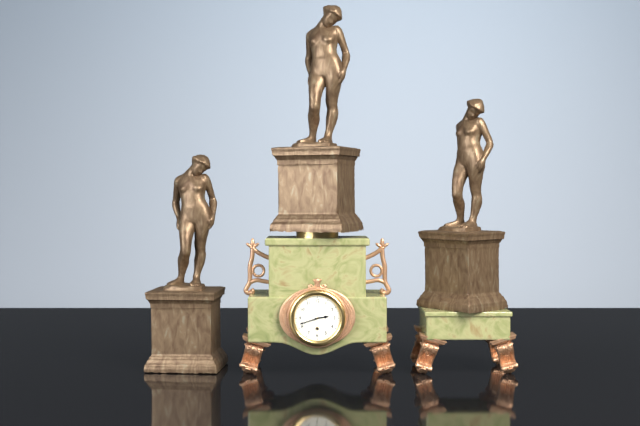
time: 2:42
